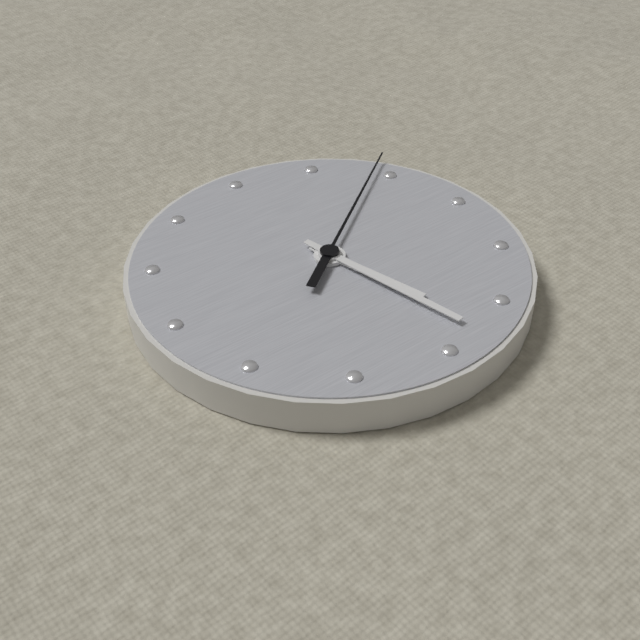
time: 5:28:09
